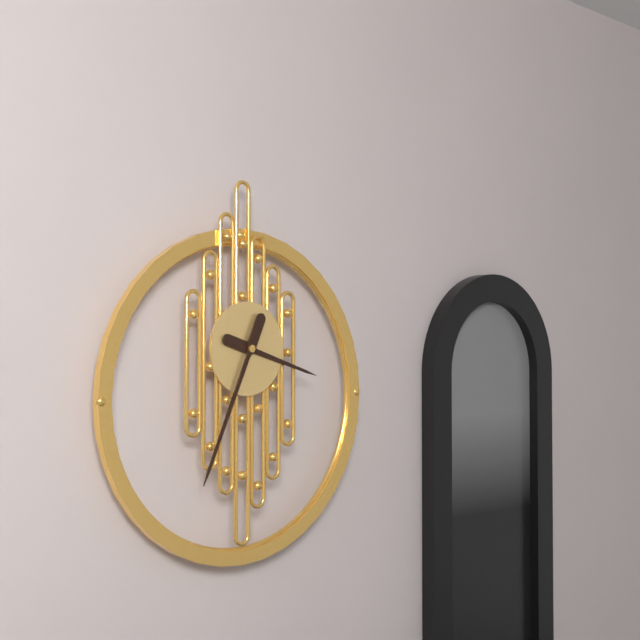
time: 3:34
